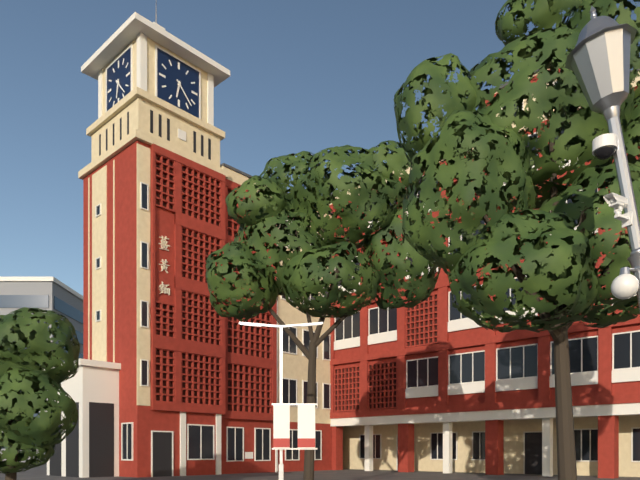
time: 6:23
